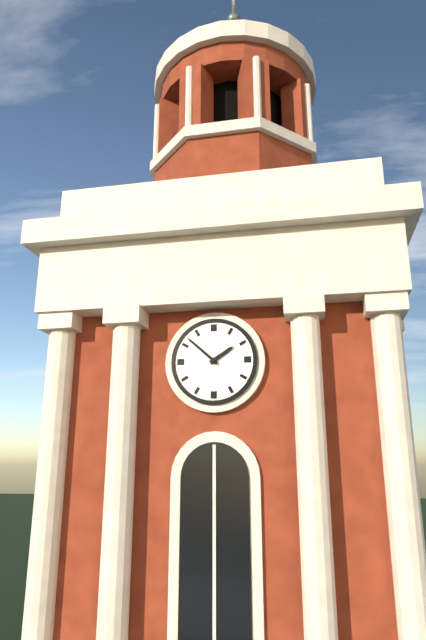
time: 1:52
